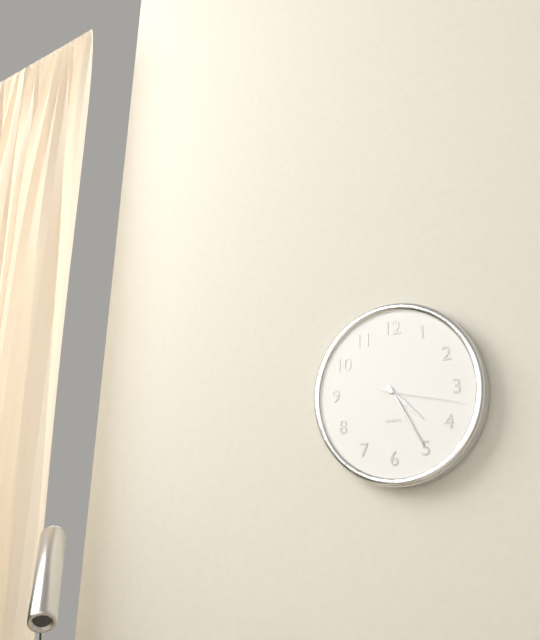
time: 4:25:17
